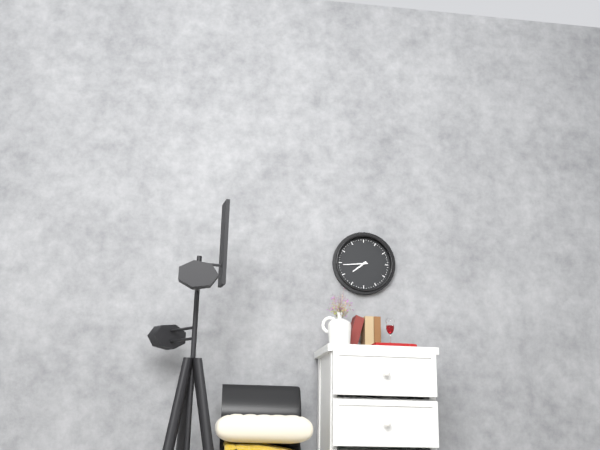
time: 7:44
